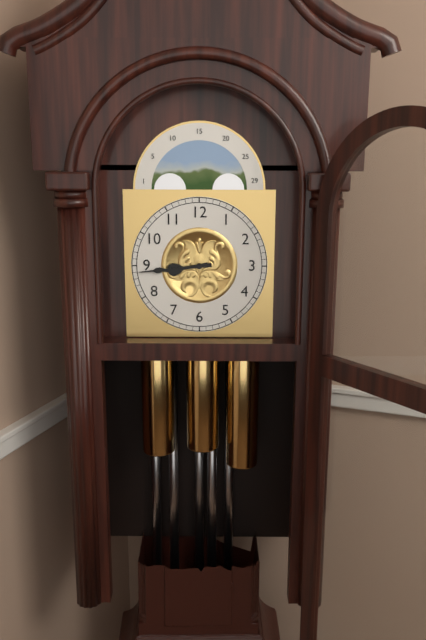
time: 8:44
